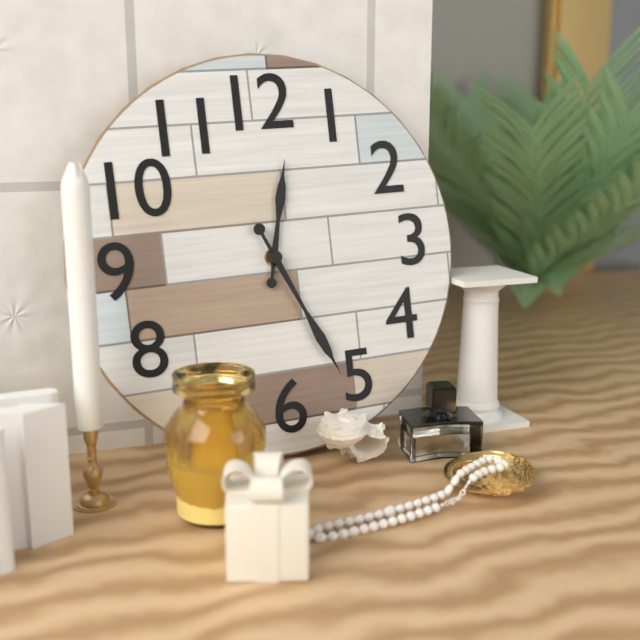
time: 12:26
